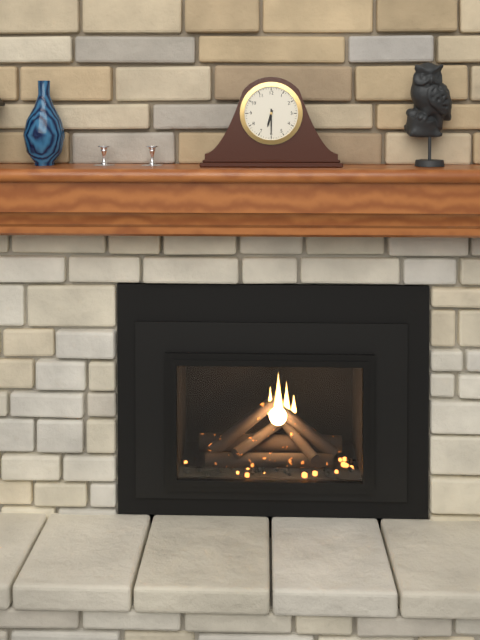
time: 6:30
